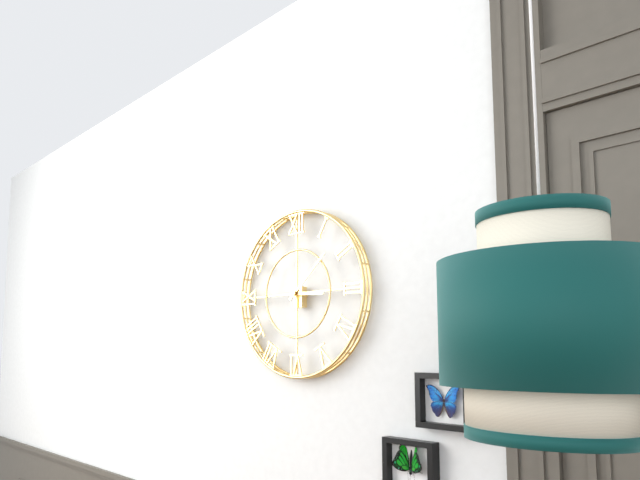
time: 3:08
